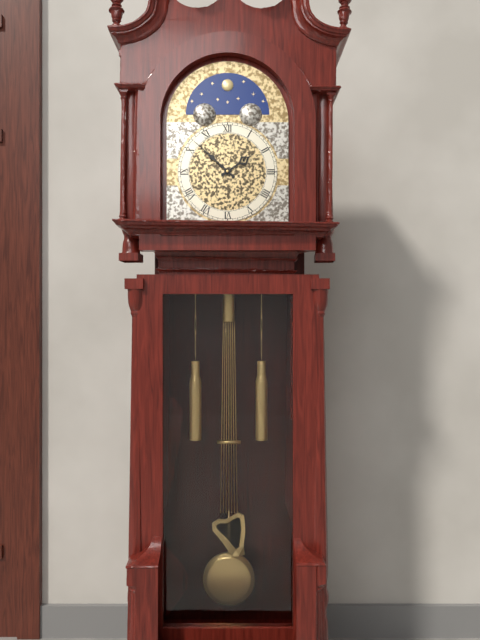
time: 1:52
